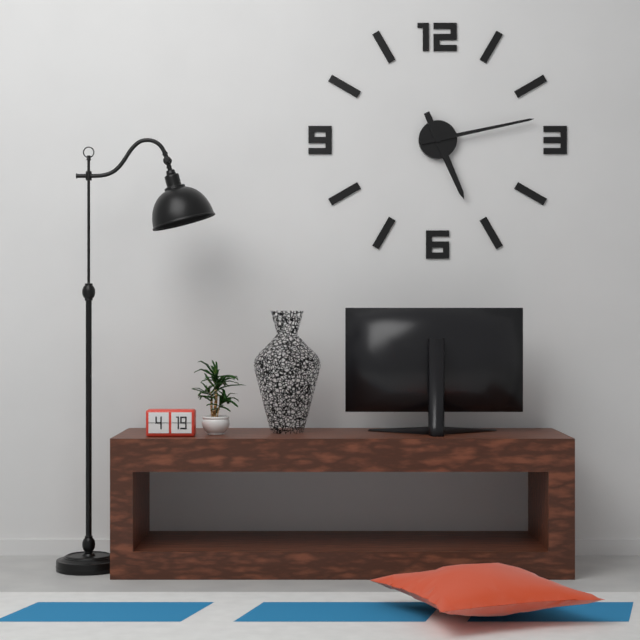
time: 5:13
